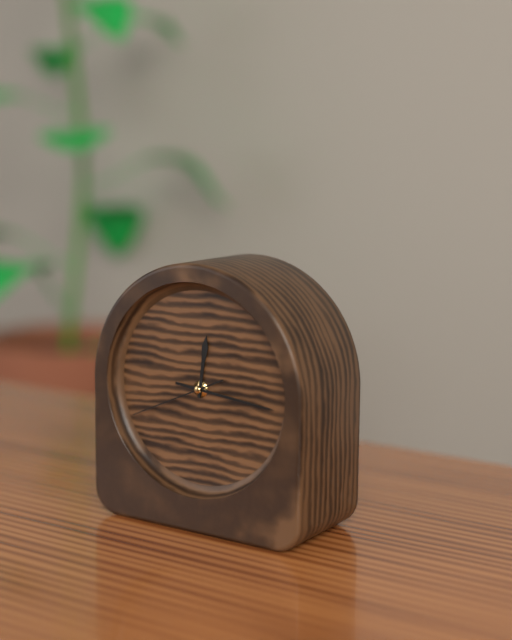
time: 12:16:41
